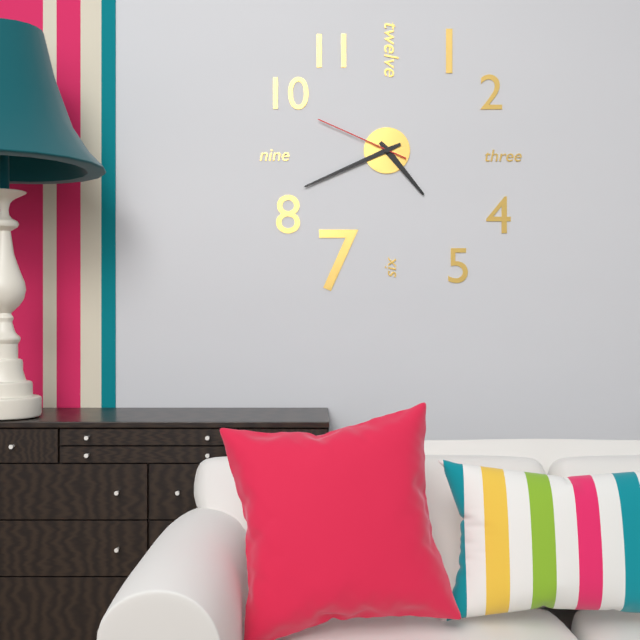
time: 4:41:49
